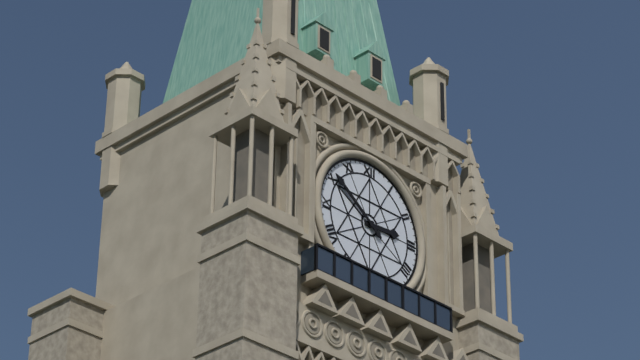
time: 2:51
